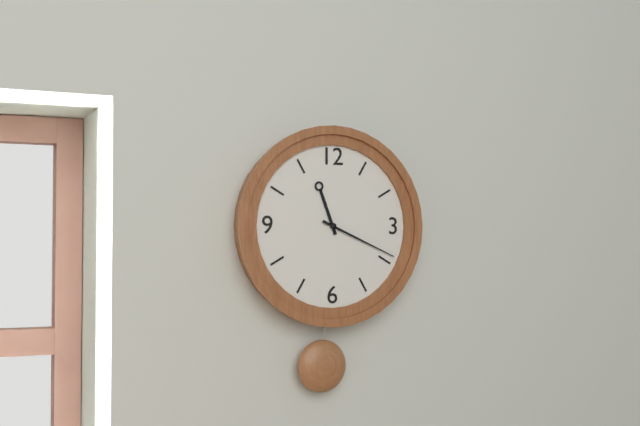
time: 11:19
